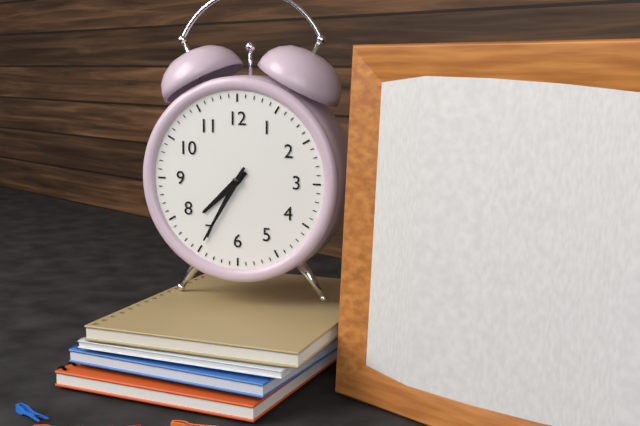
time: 7:35
